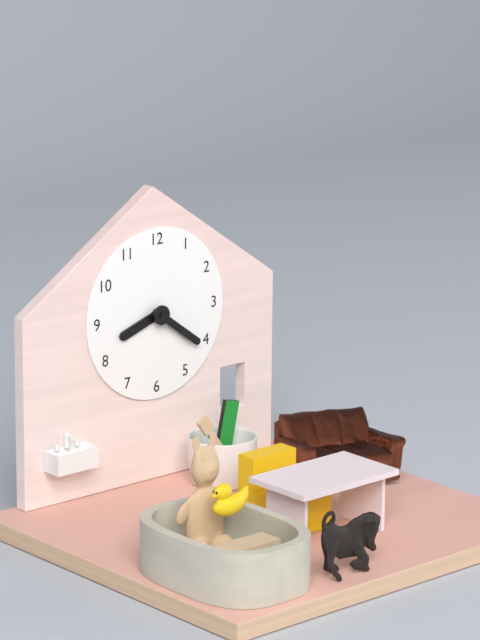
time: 8:21
